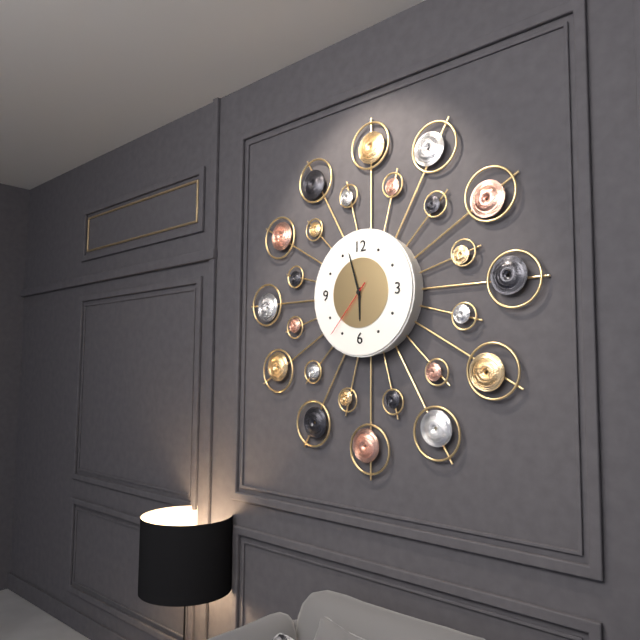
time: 5:57:37
